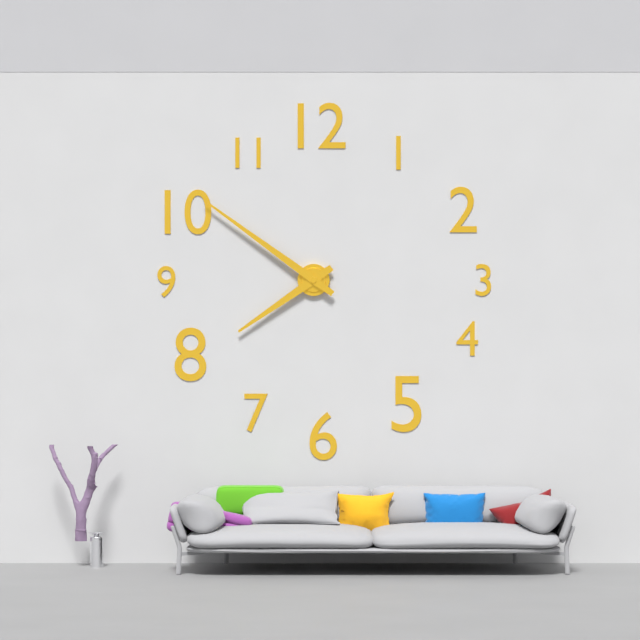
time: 7:51
